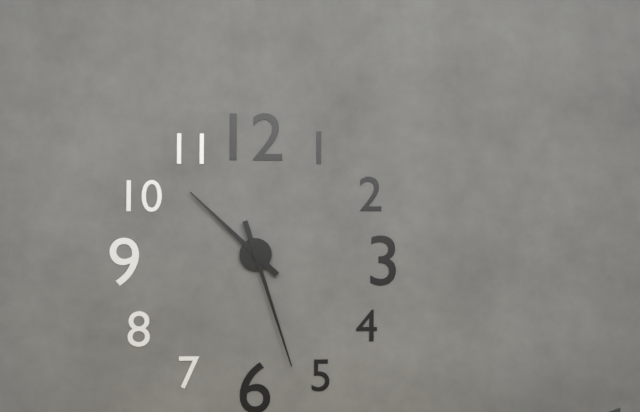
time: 10:27
